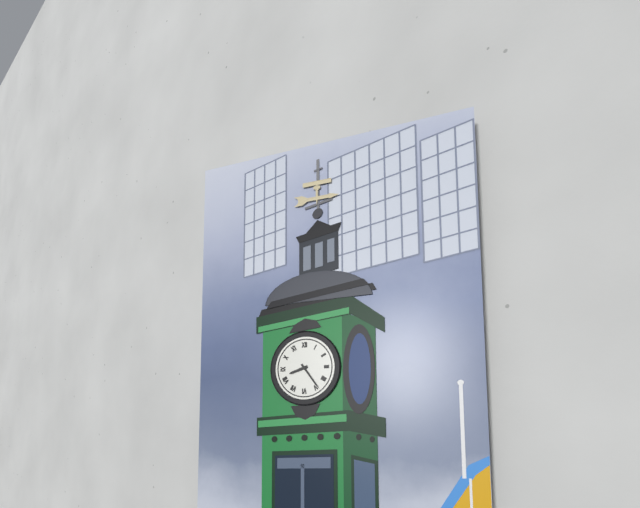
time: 8:24
